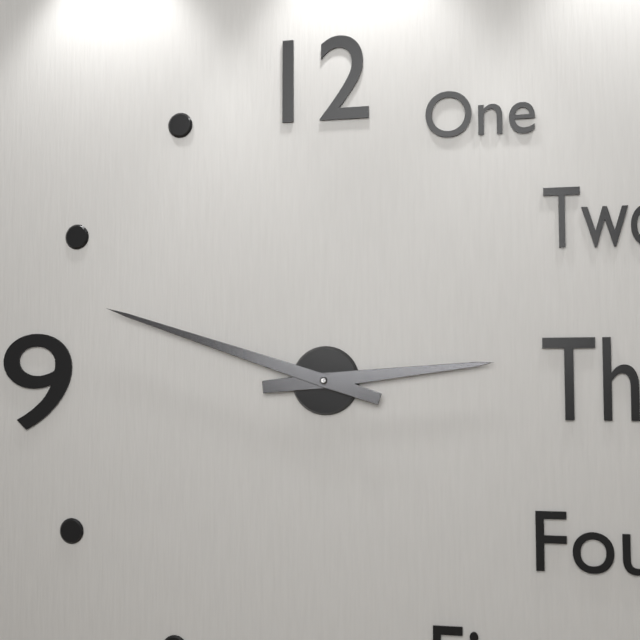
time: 2:48
